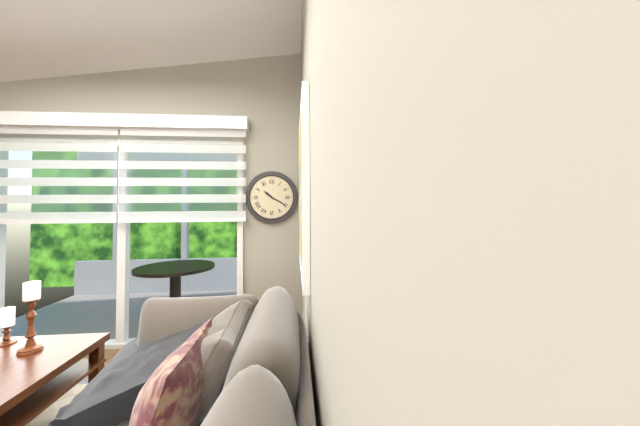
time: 10:20
